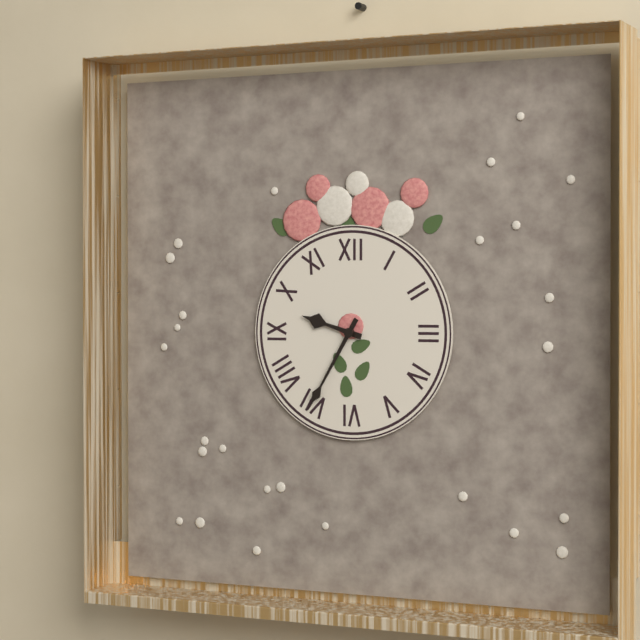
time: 9:35
